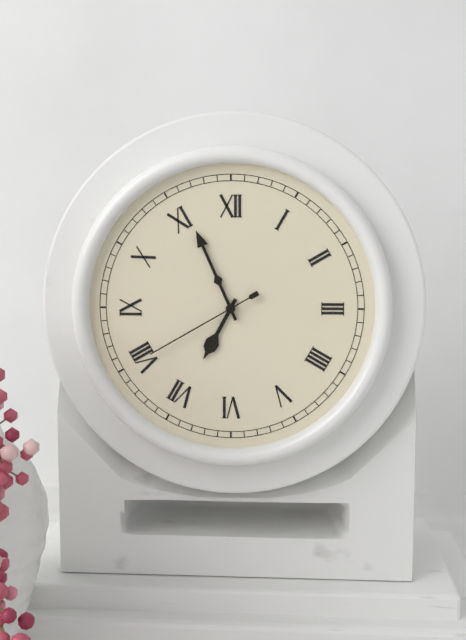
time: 6:56:40
